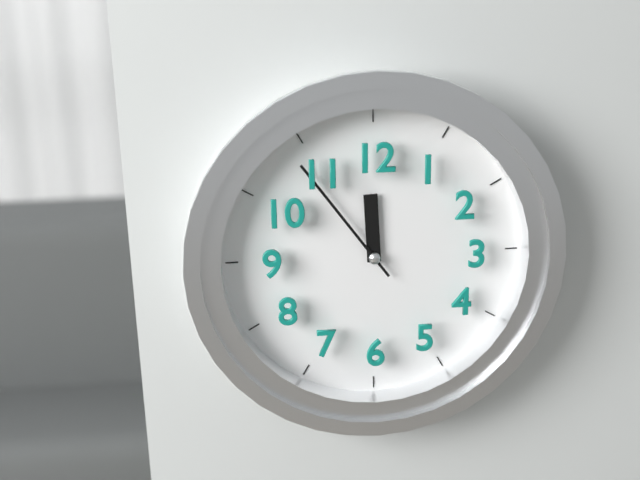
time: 11:54
